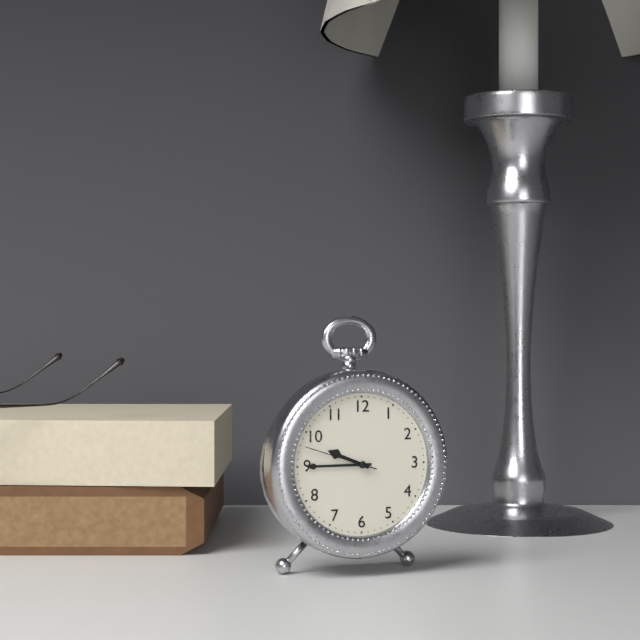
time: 9:45:48
